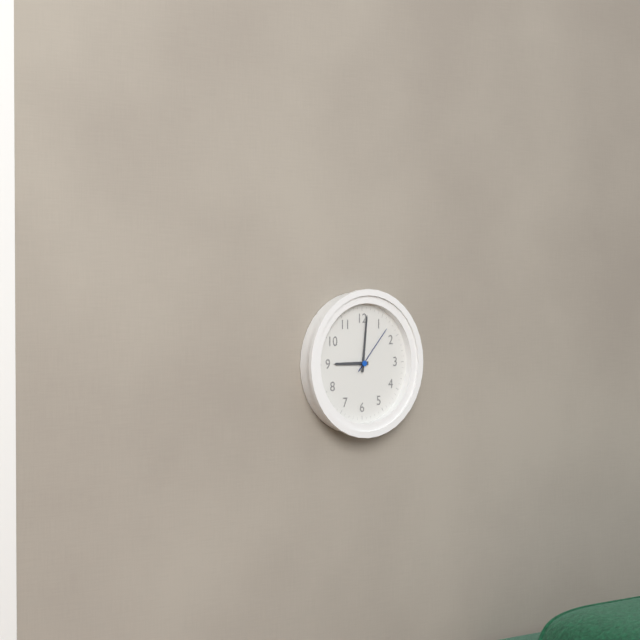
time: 9:01:07
